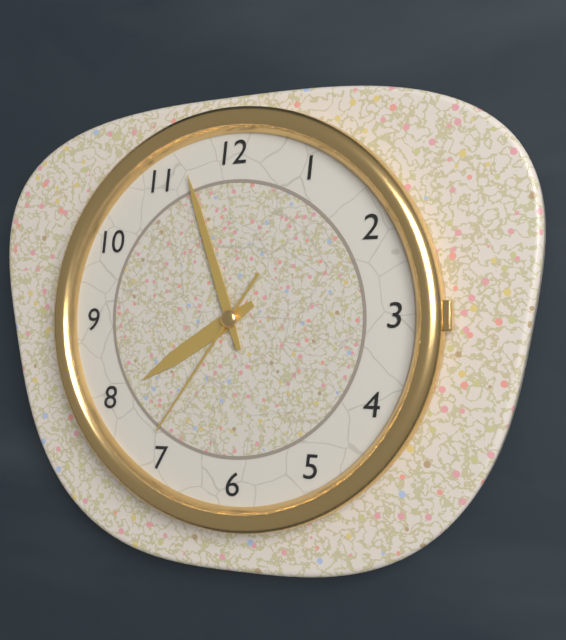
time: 7:57:36
